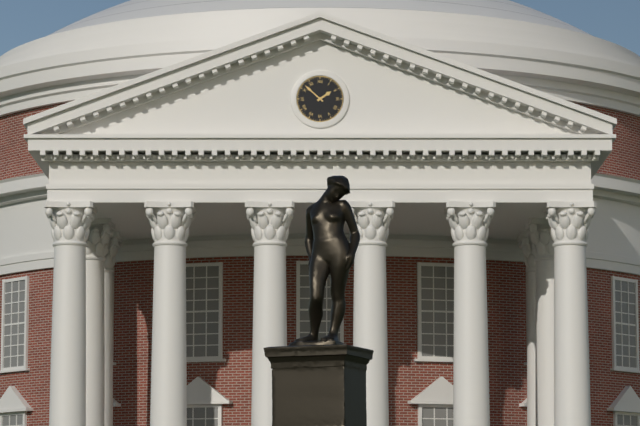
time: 1:52
